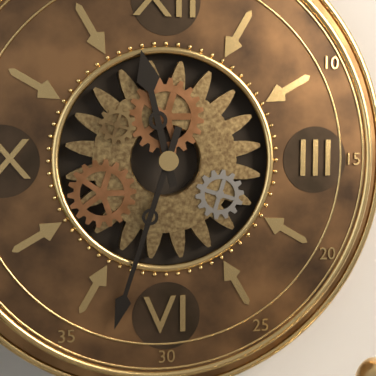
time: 11:33
